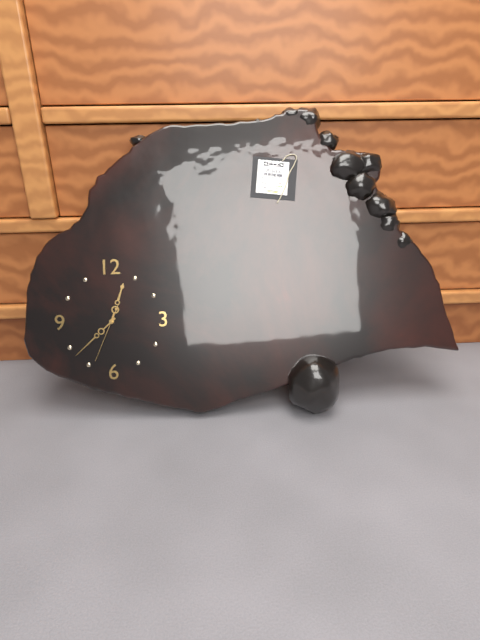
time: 12:38:34
